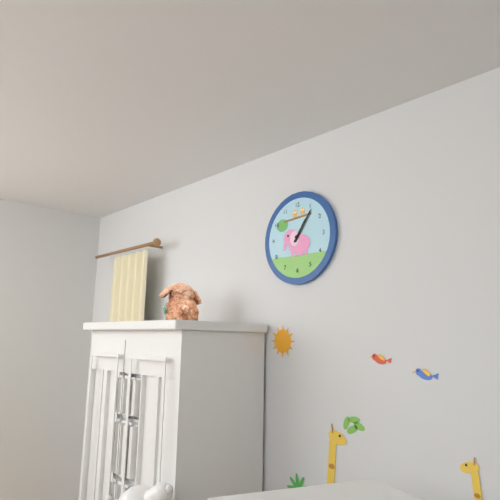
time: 1:06
